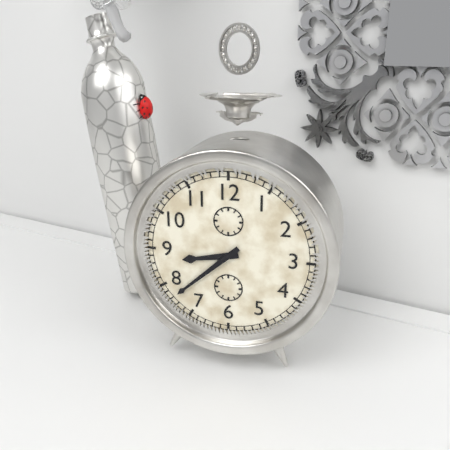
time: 8:38
